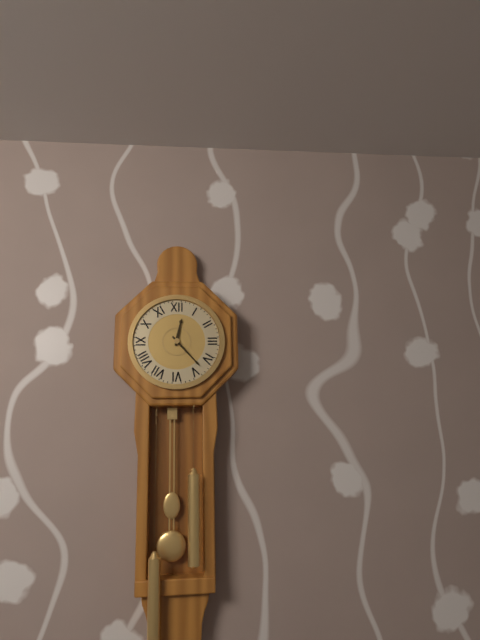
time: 12:23
